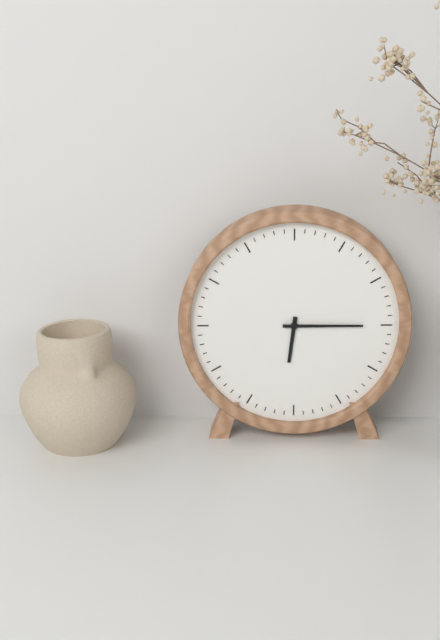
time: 6:15
